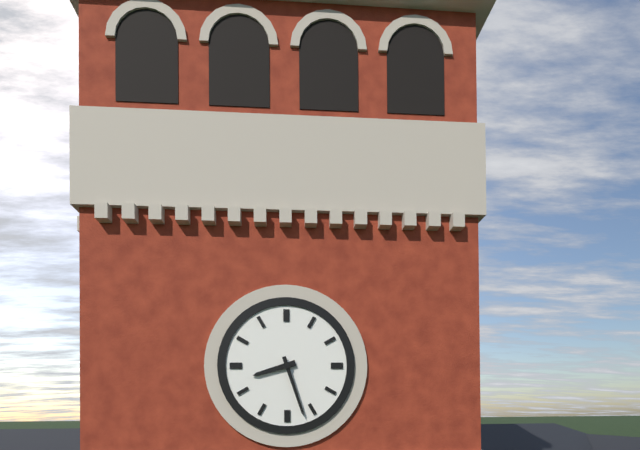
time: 8:27
